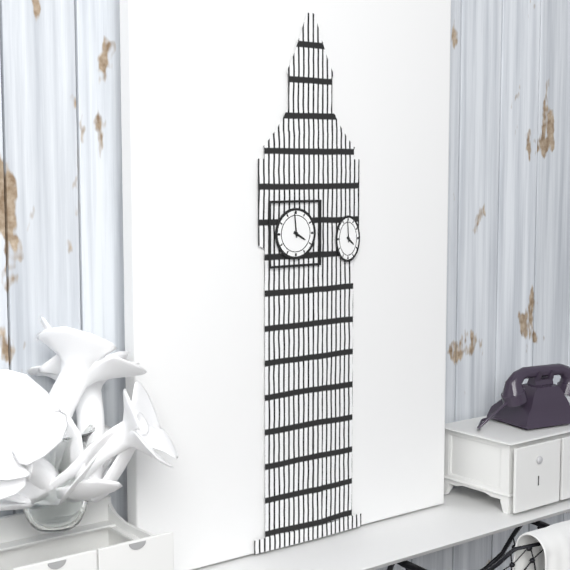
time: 3:59
